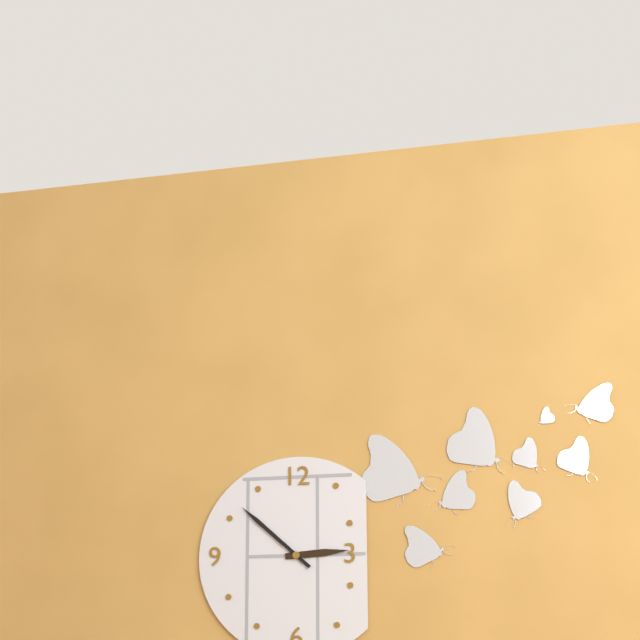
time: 2:52
